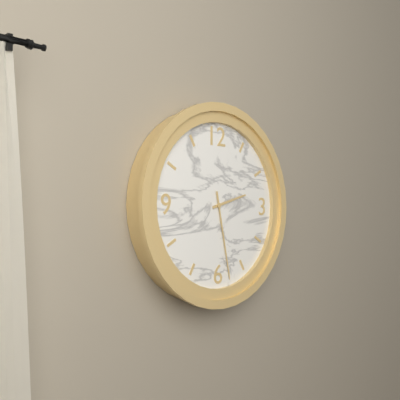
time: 2:28
